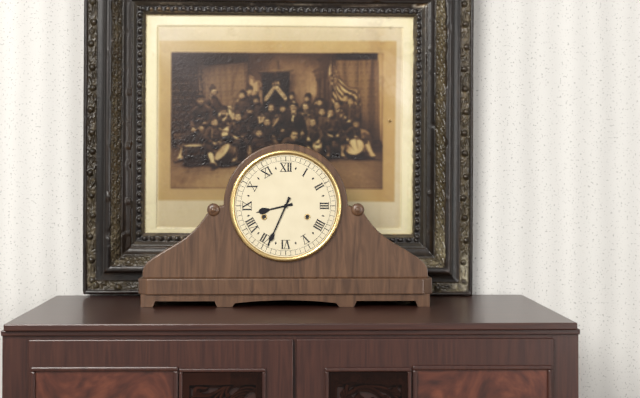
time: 8:34
